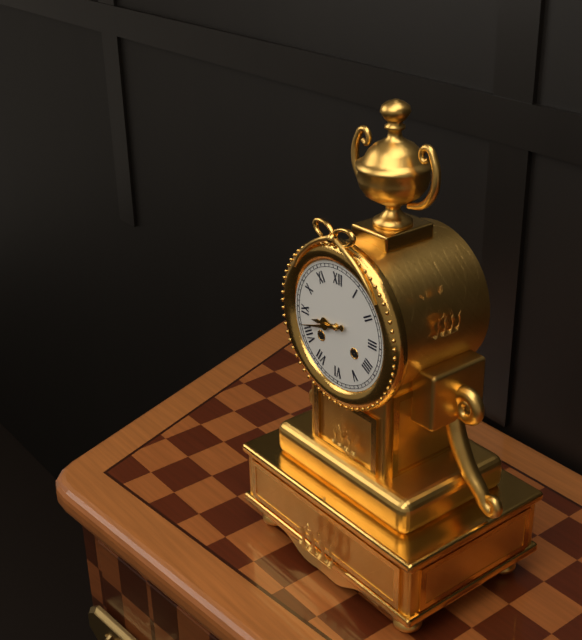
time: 8:42
